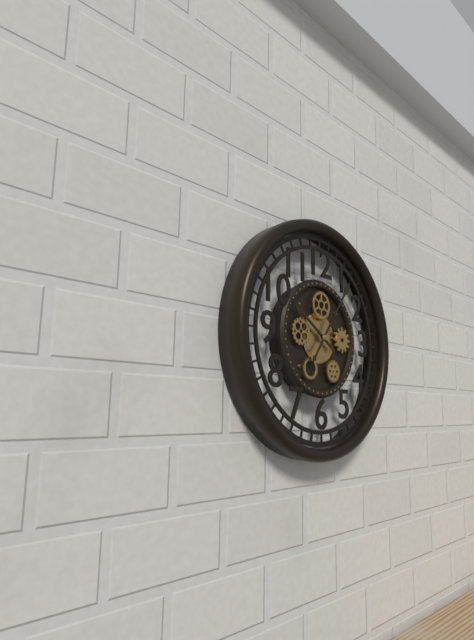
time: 10:06
